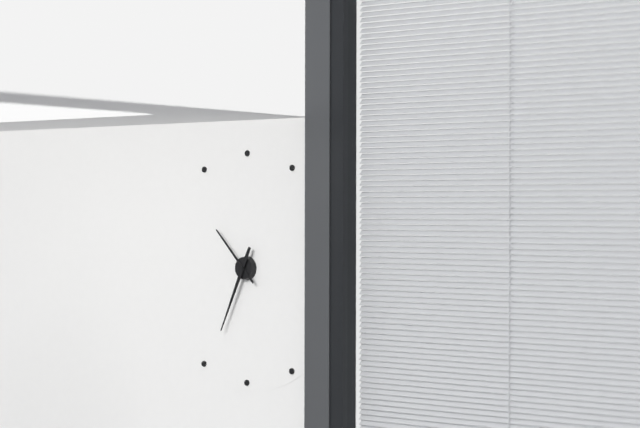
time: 10:34
